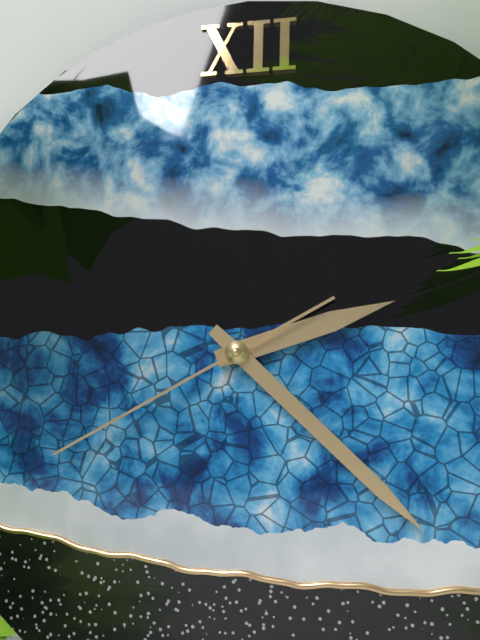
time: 2:22:40
